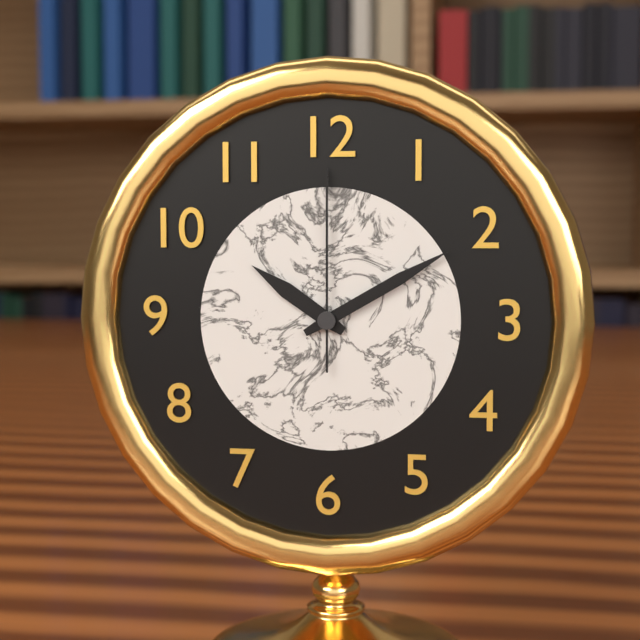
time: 10:10:00
